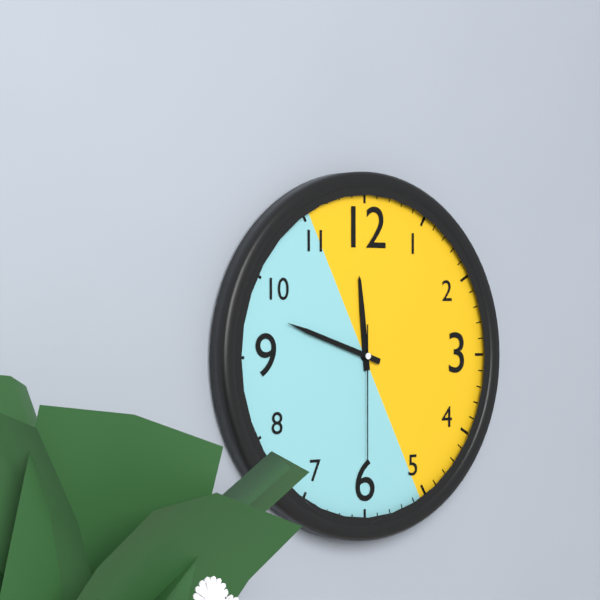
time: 11:48:30
